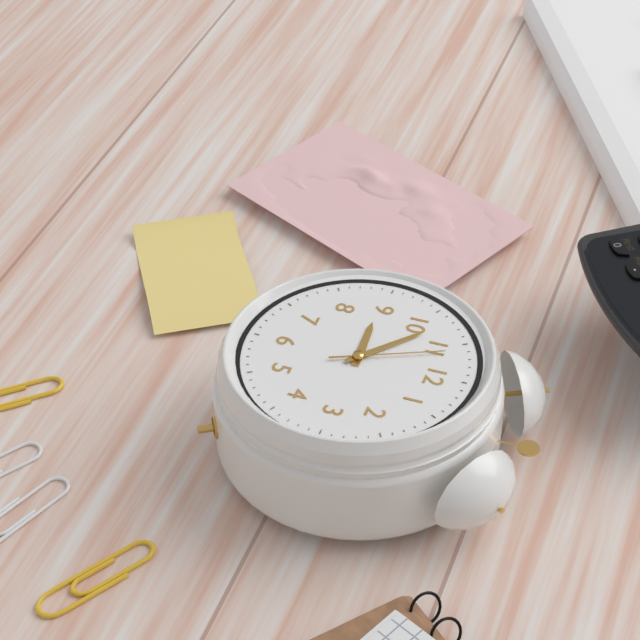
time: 8:52:56
